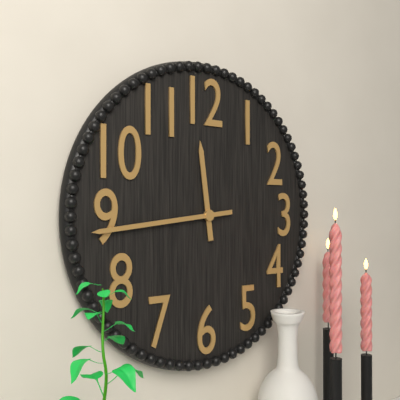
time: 11:44
